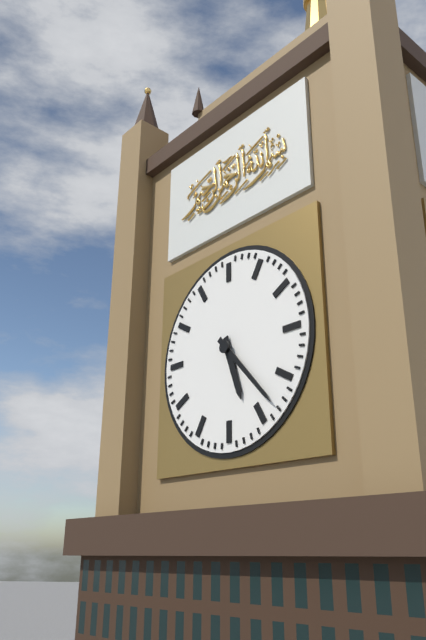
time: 5:23
